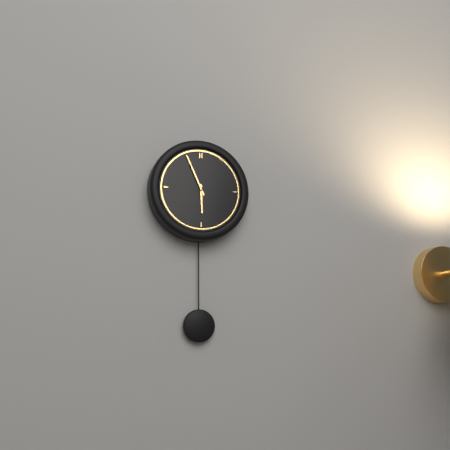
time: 5:56
